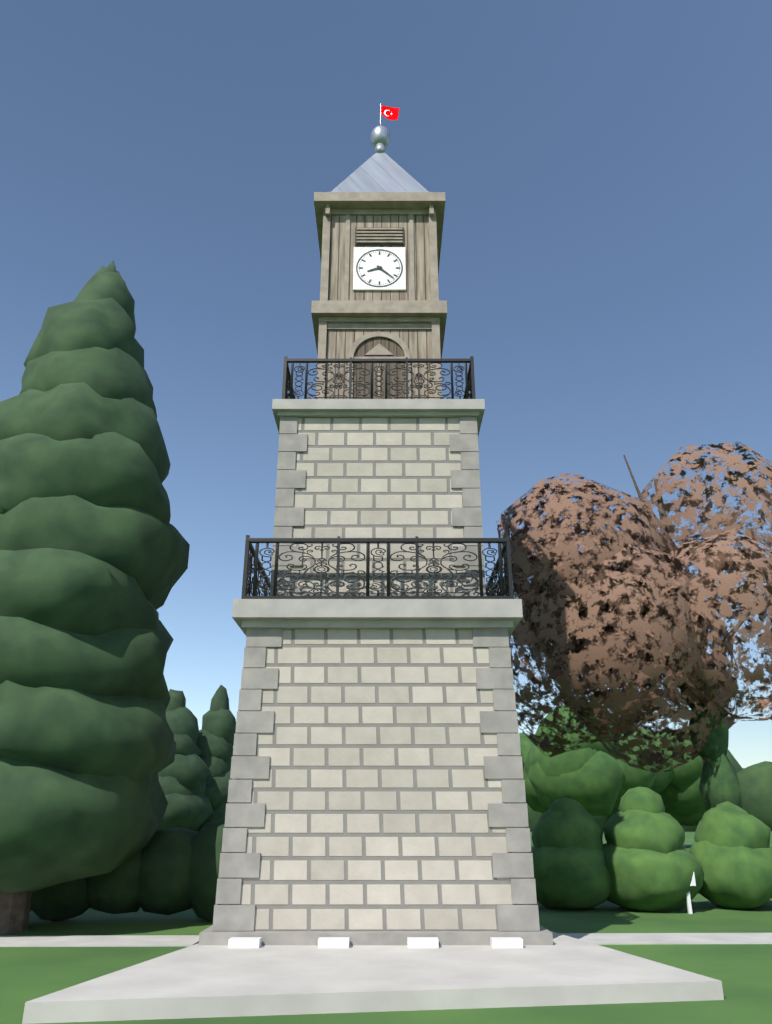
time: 8:22
